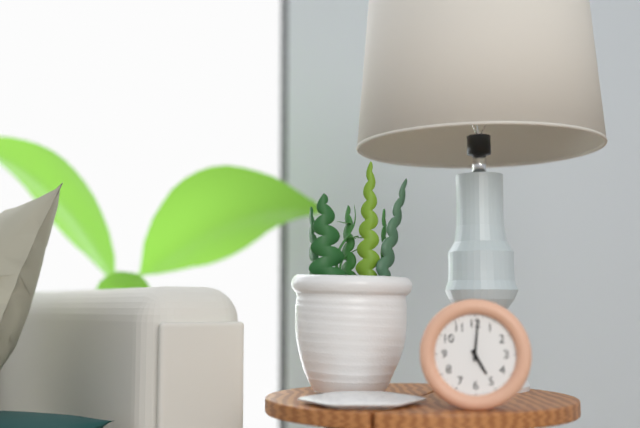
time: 5:01
